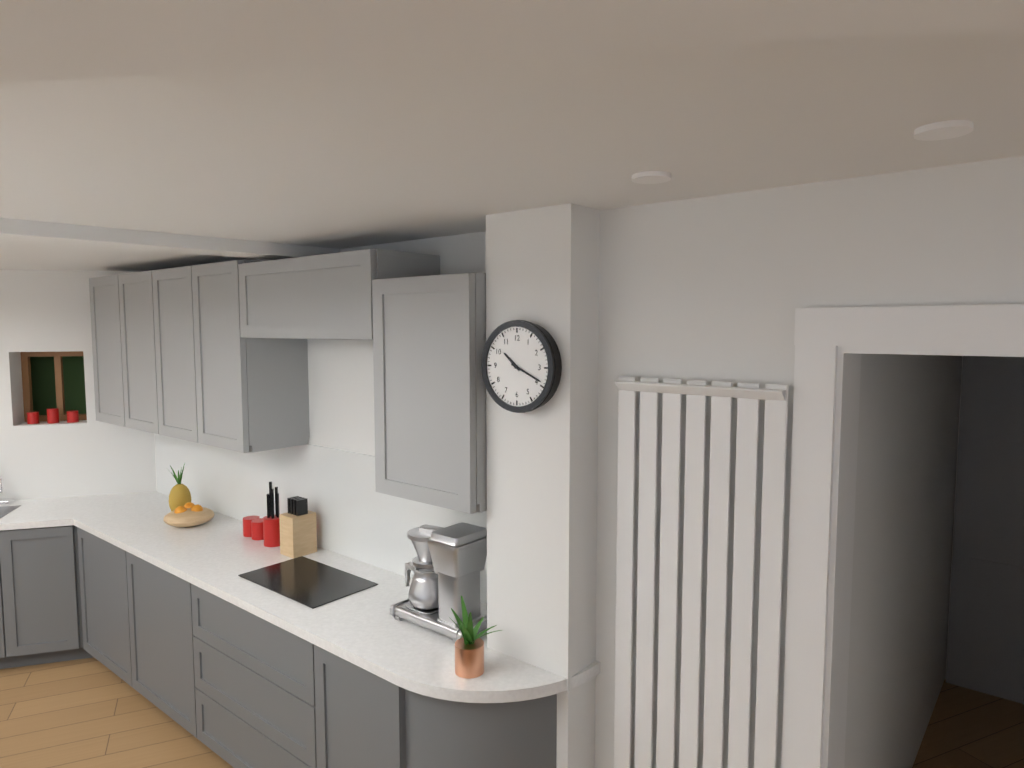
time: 10:19
